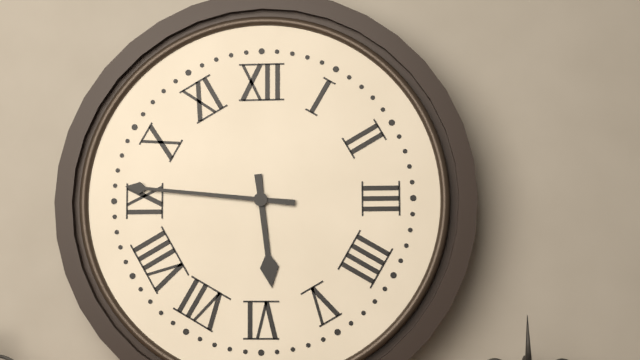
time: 5:46
